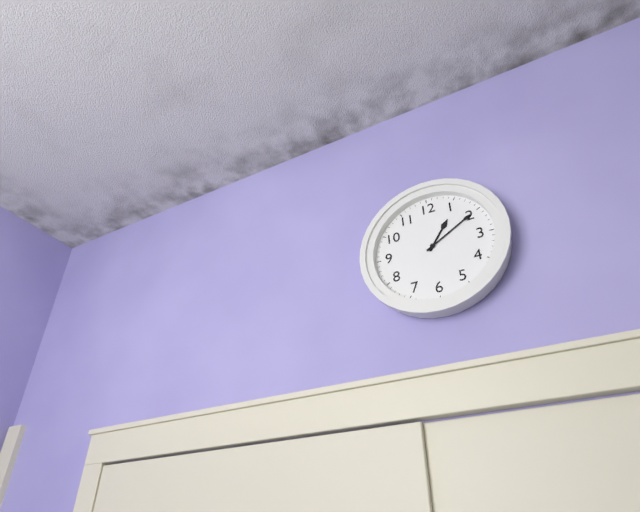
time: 1:10
